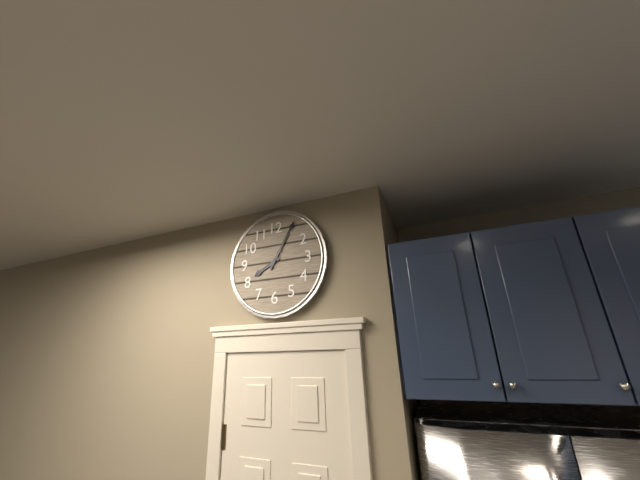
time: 8:05
